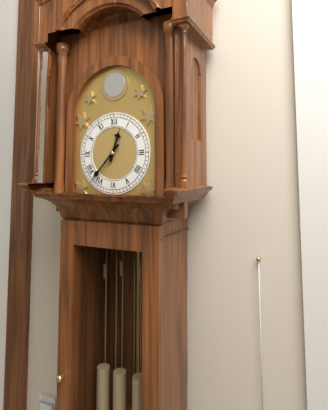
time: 12:37
